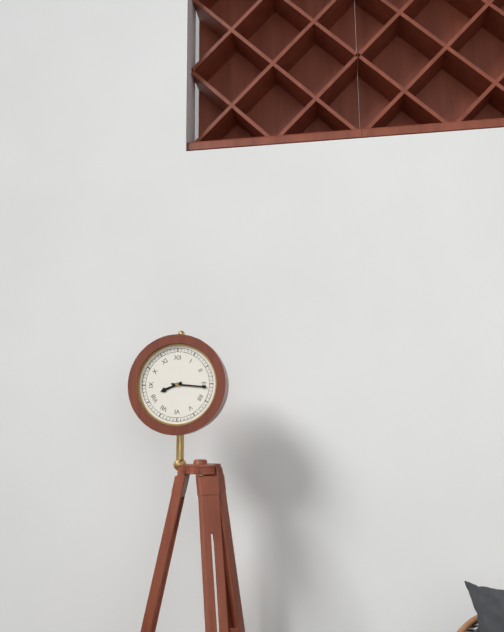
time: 8:16
